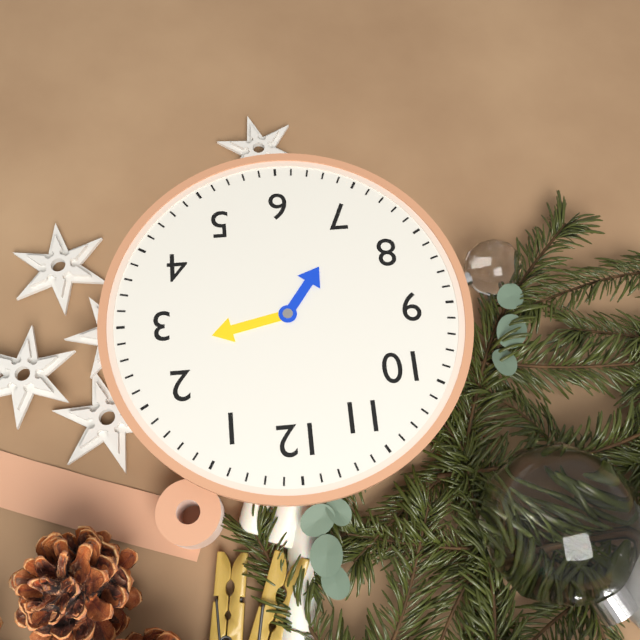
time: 7:13
